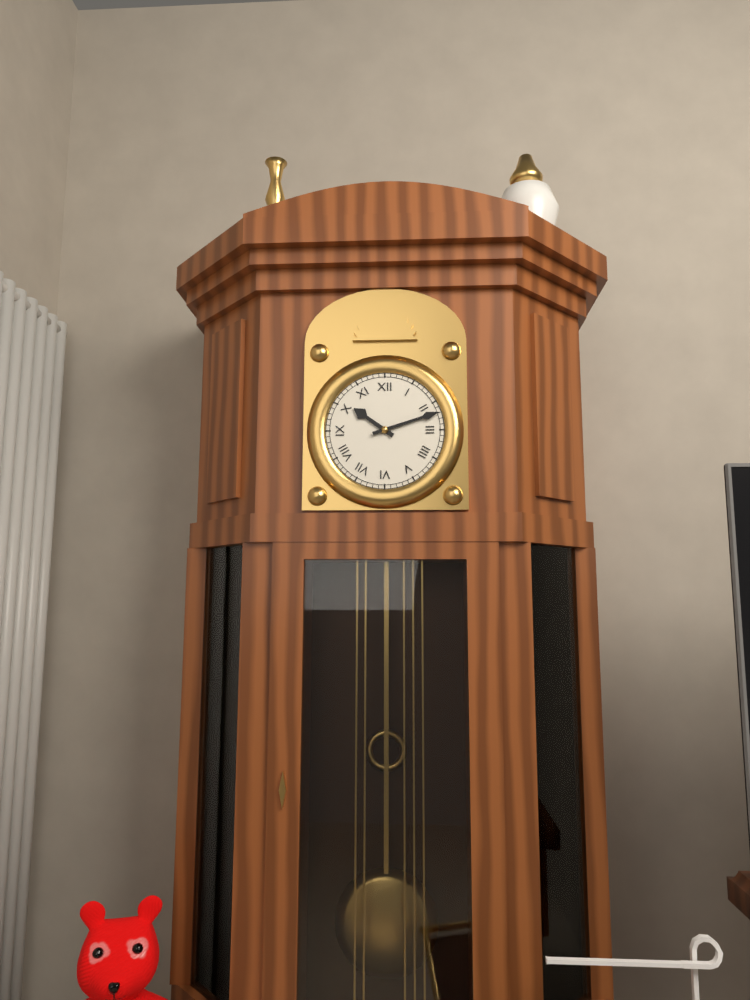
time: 10:12
